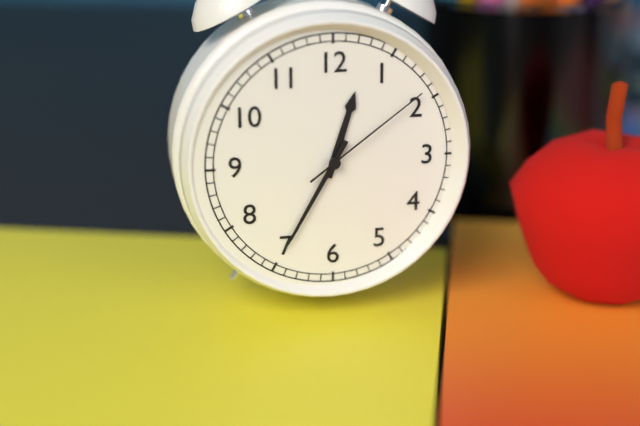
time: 12:35:09
